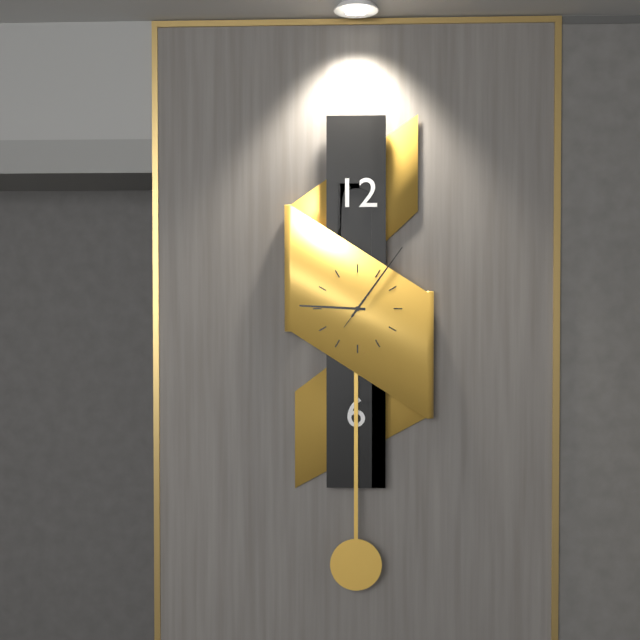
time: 9:06:06
